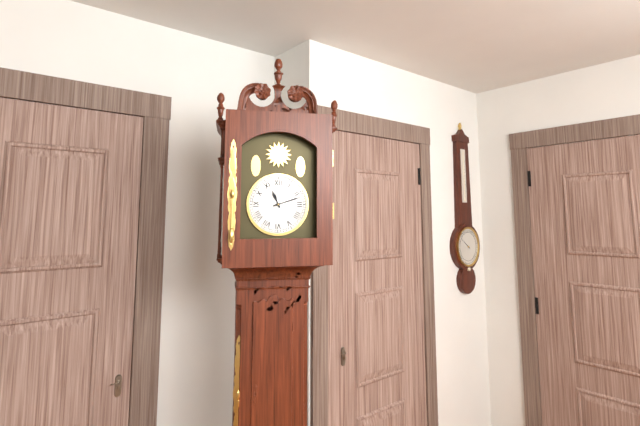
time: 11:12
